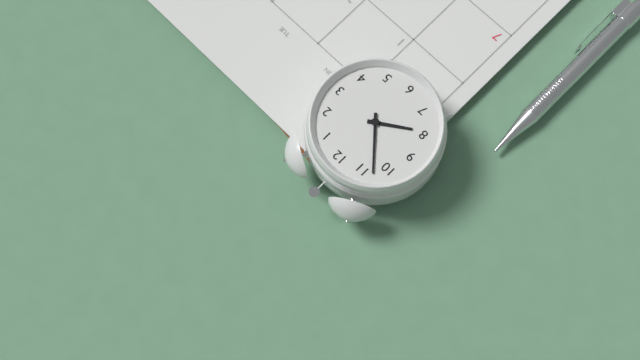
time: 7:53
